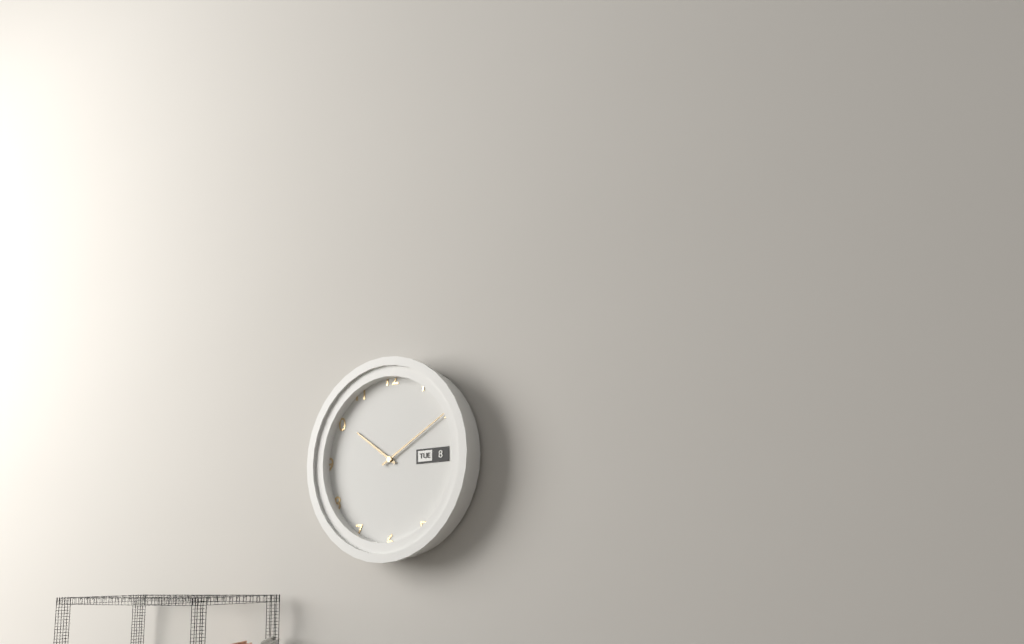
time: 10:10
